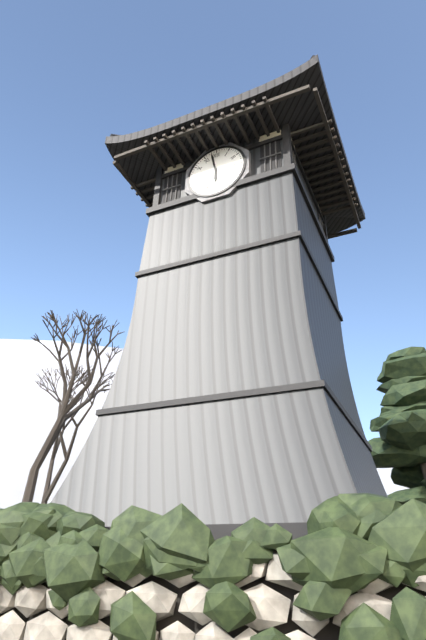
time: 5:58
